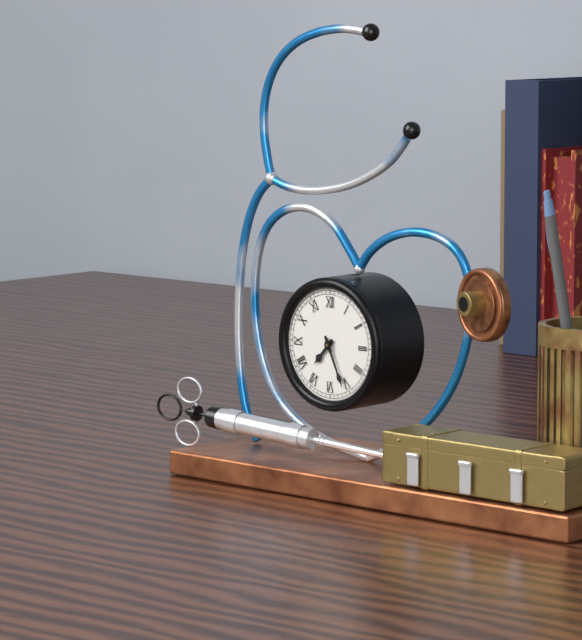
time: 7:26
